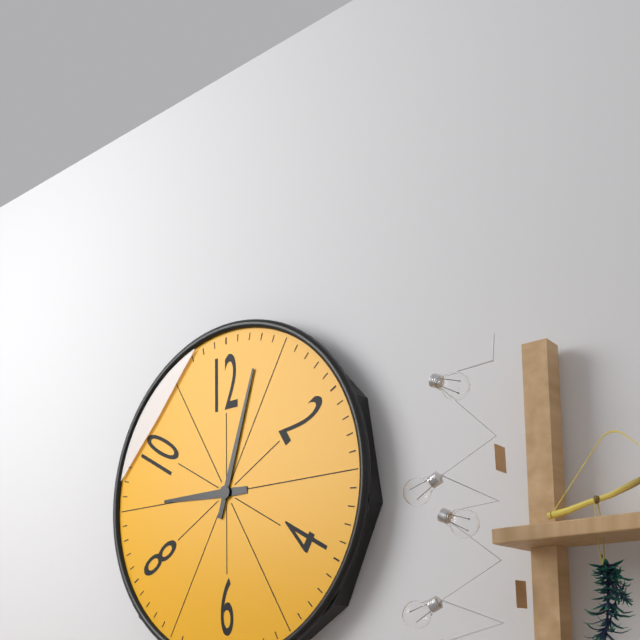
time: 9:03
